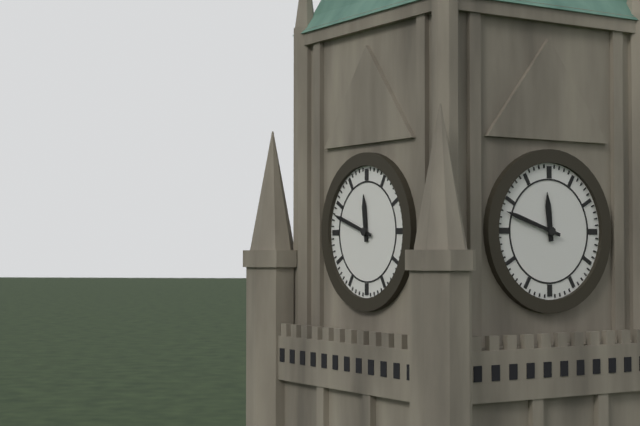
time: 11:48
